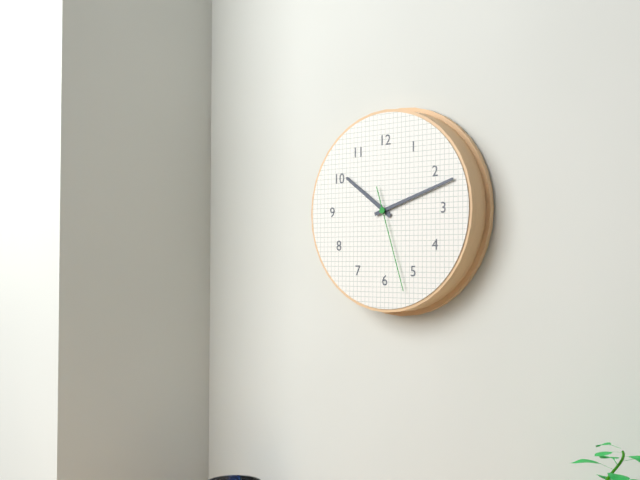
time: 10:12:27
